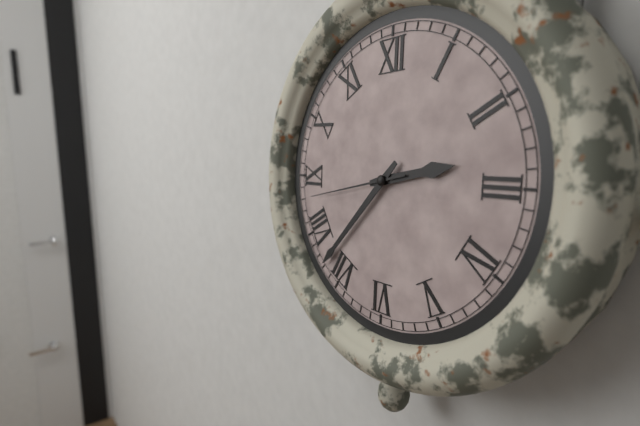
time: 2:37:43
